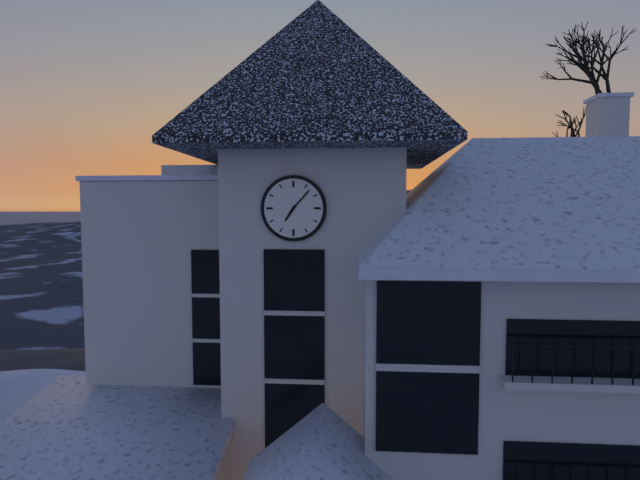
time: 7:07
